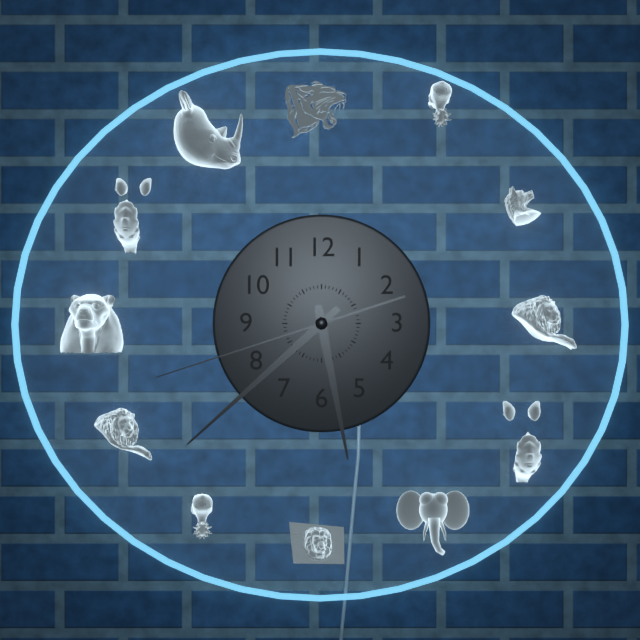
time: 5:38:42
